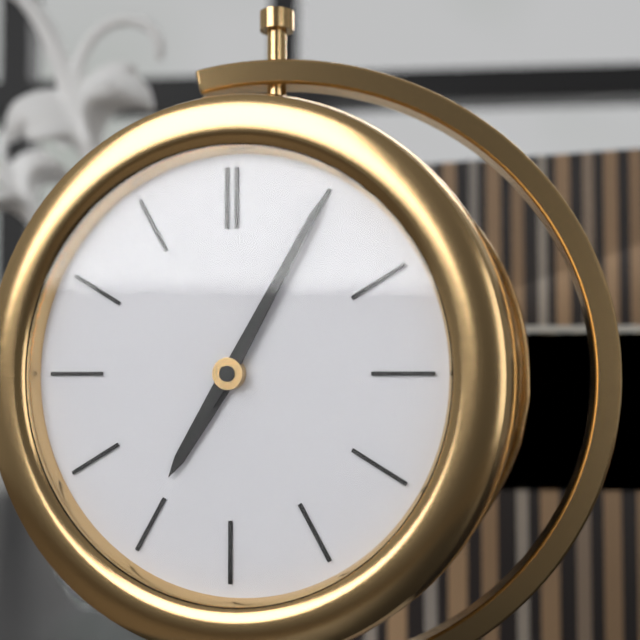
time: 7:05
